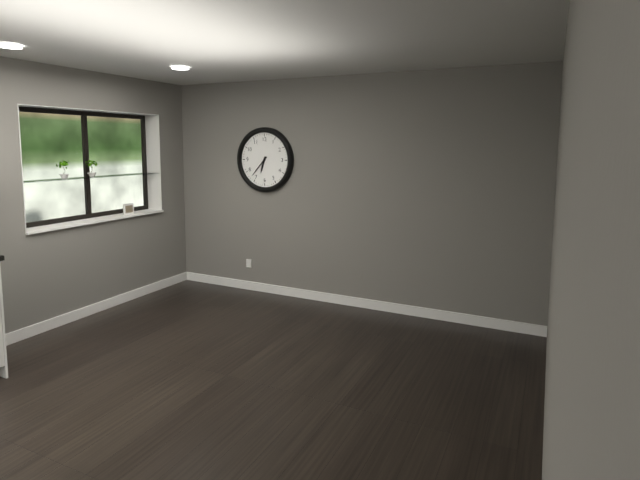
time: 6:37
